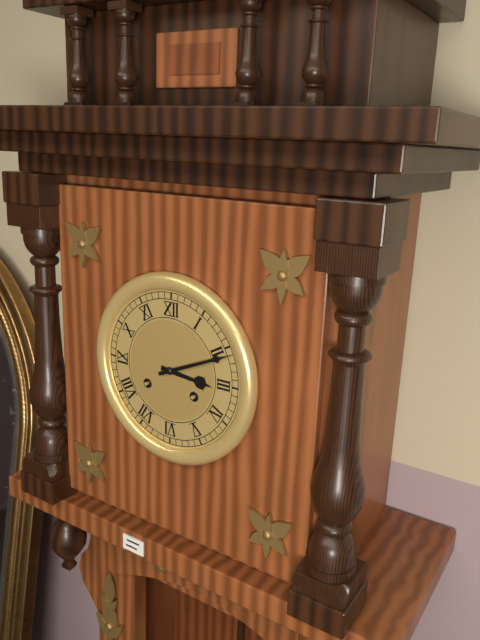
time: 3:11
